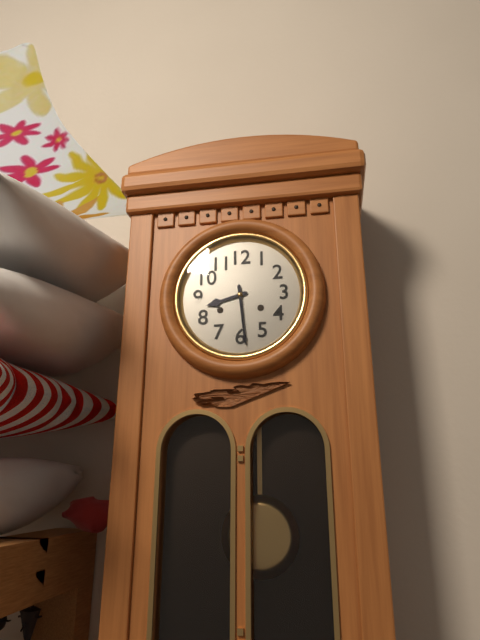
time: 8:29
